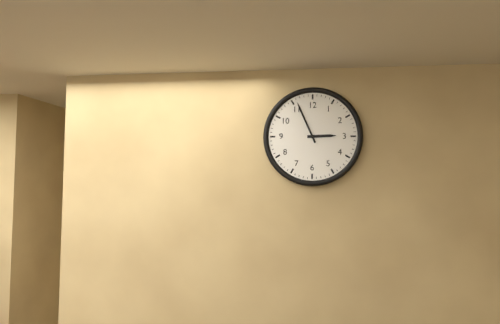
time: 2:56
